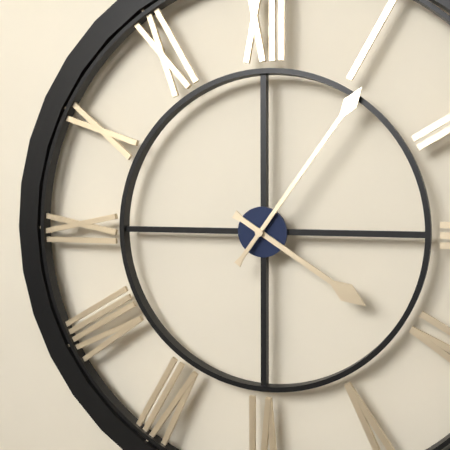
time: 4:06
